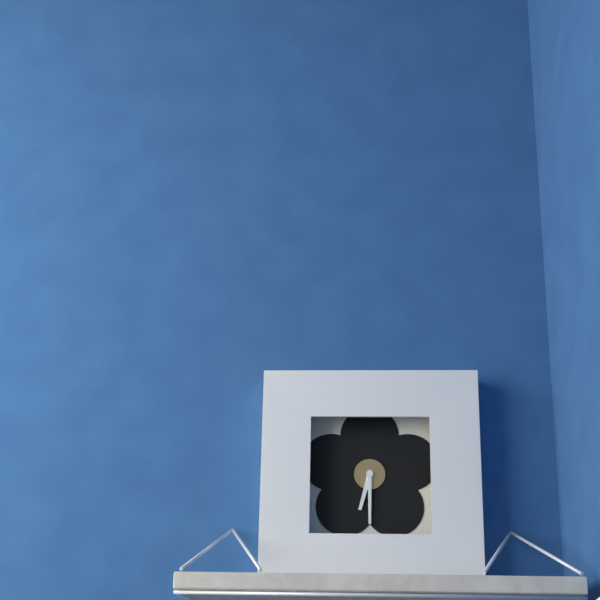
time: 6:30
